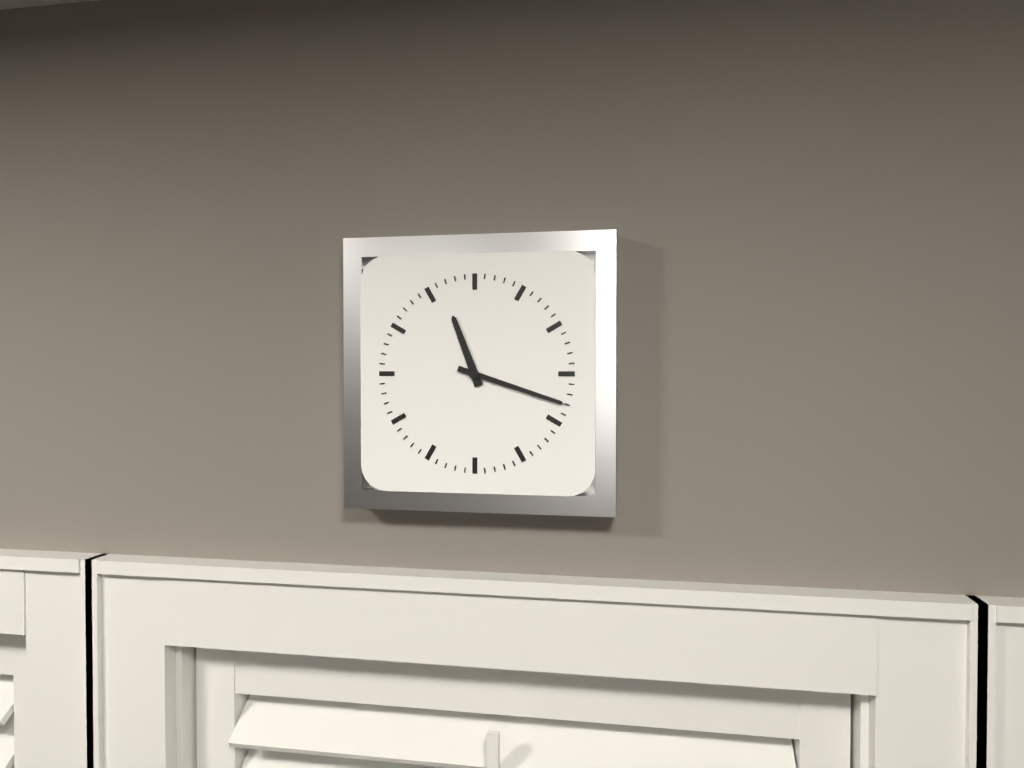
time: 11:18
